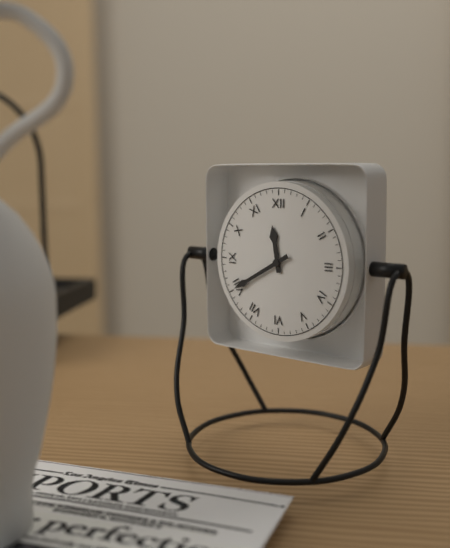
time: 11:40
